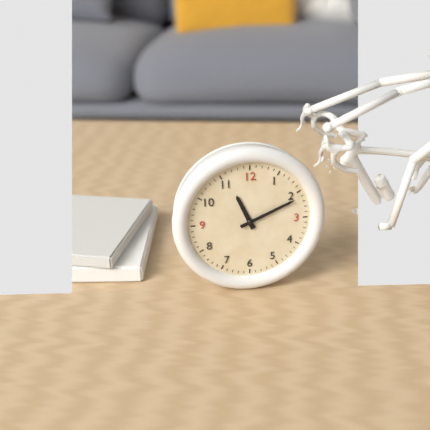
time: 11:11
